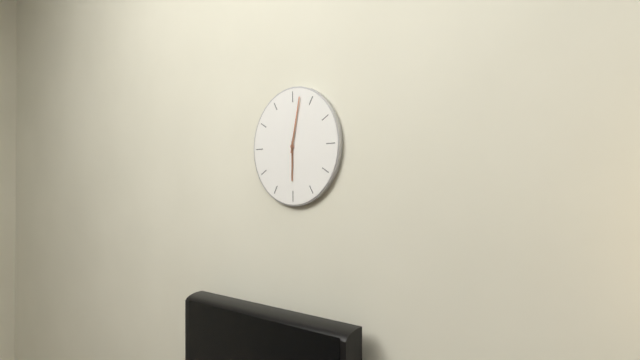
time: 6:02
